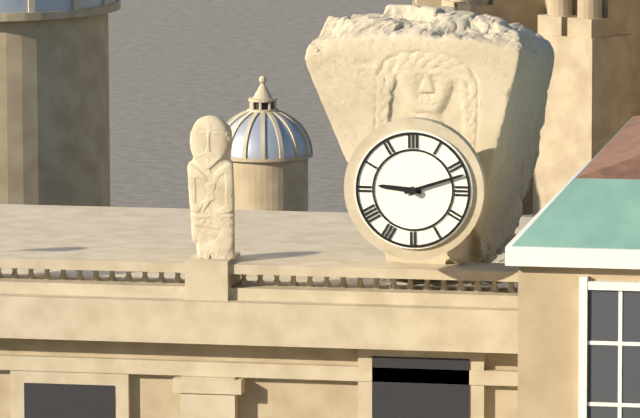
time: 9:12
